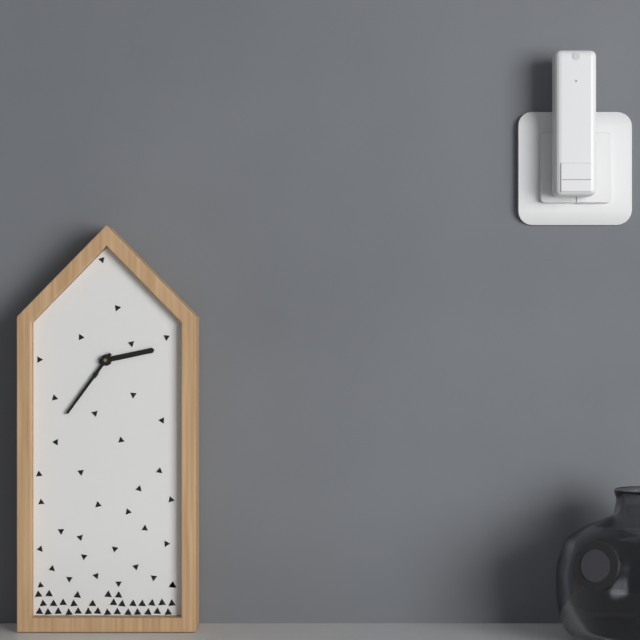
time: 2:36
